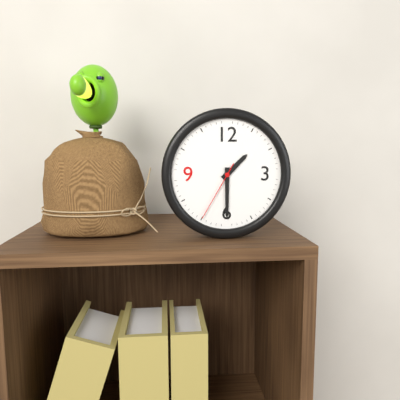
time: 1:30:35
